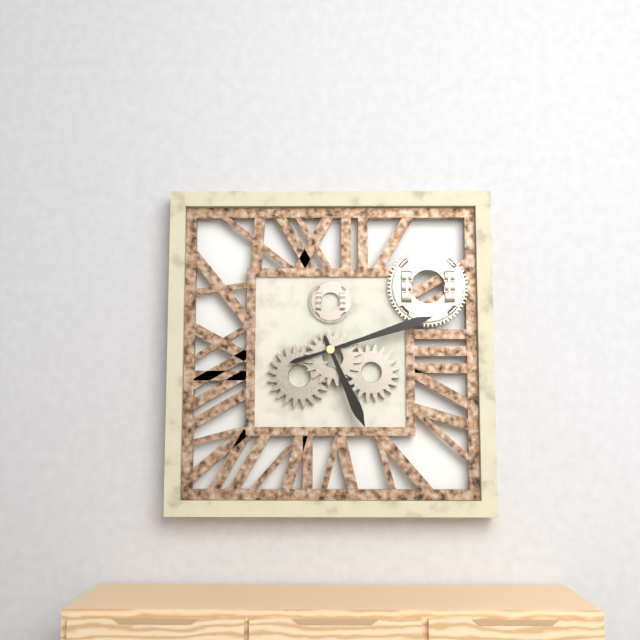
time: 5:12
